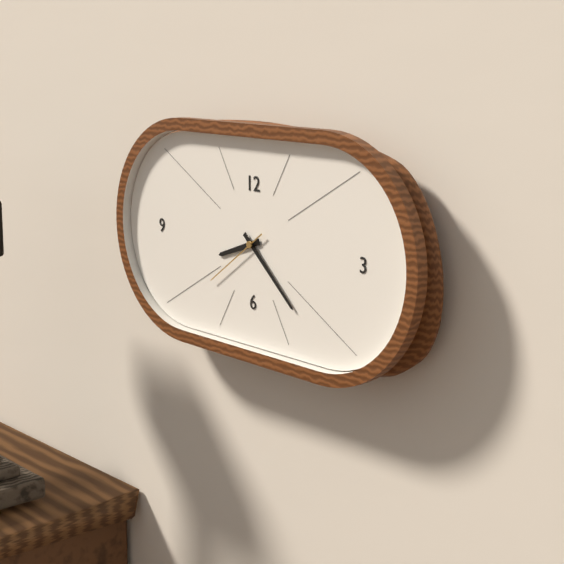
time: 8:22:39
